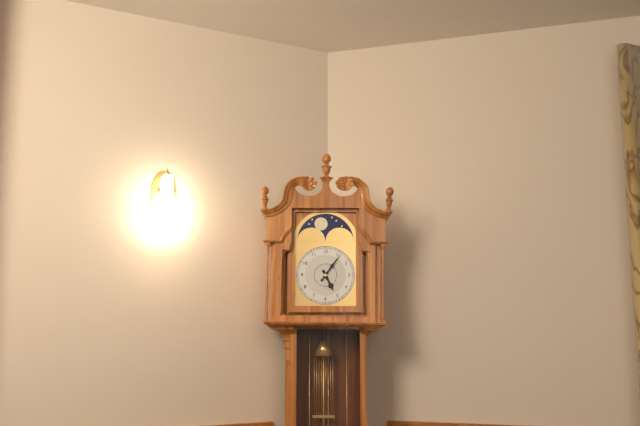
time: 5:06
